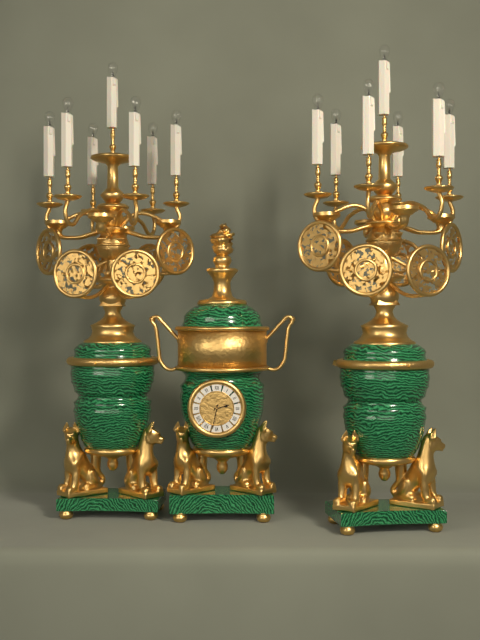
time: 2:32
